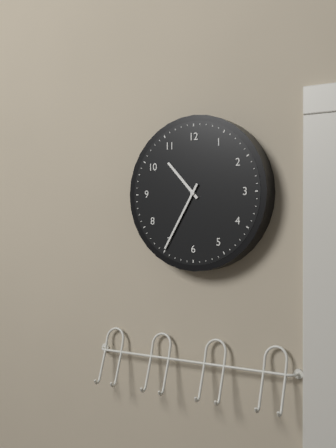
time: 10:35
